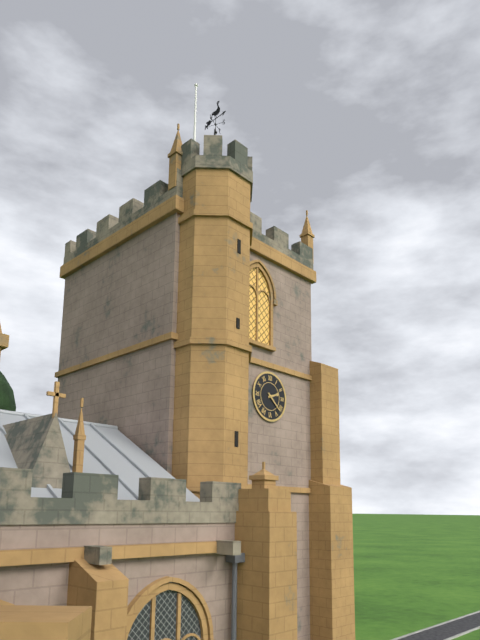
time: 2:22
